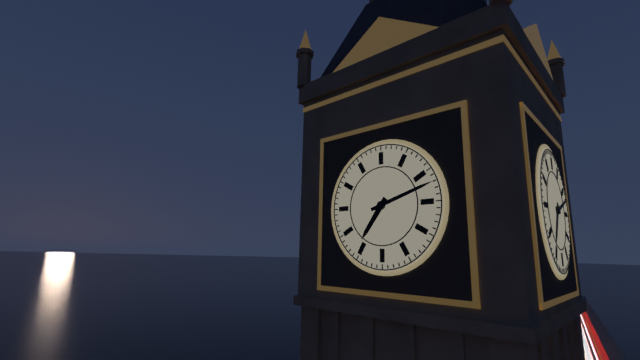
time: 7:12
